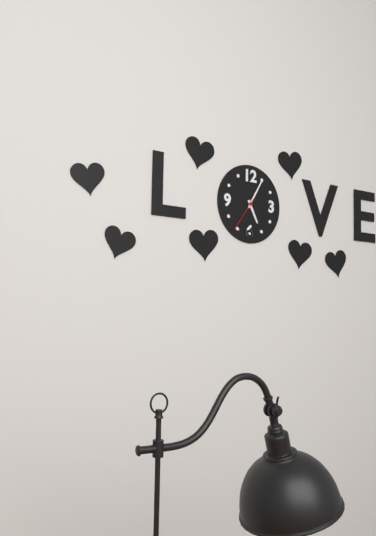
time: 5:05
